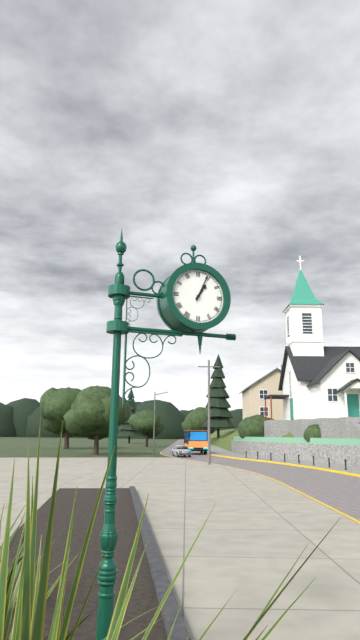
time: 1:04
